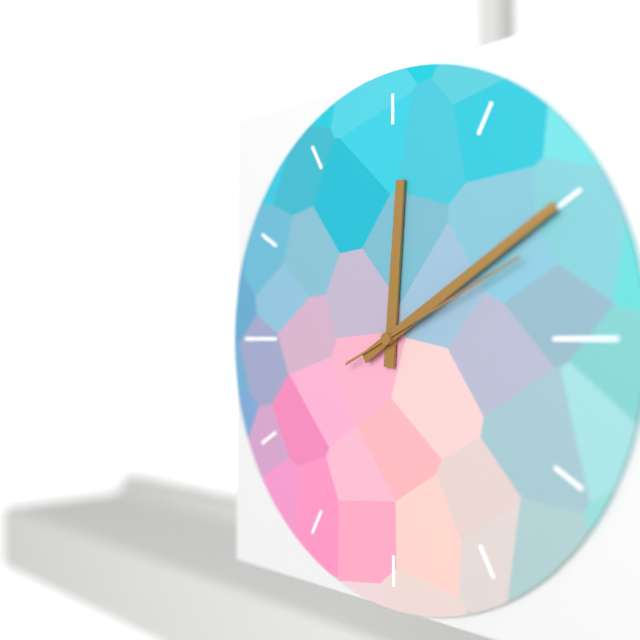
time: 12:10:11
